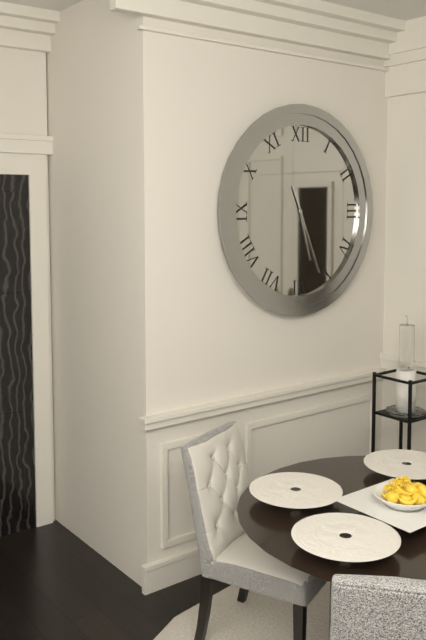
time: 5:26
